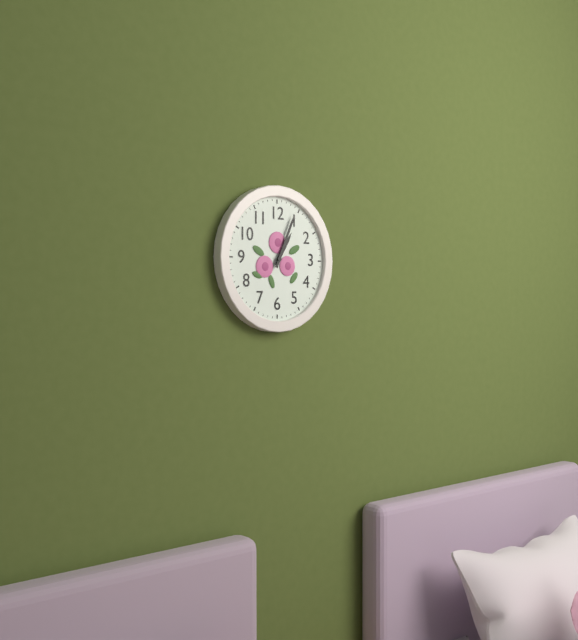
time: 1:04
